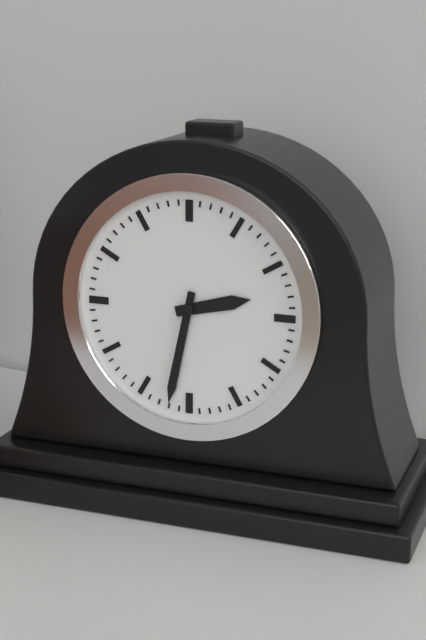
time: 2:32
